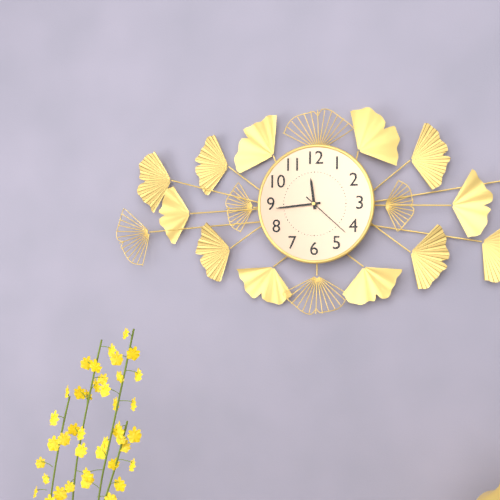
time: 11:44
